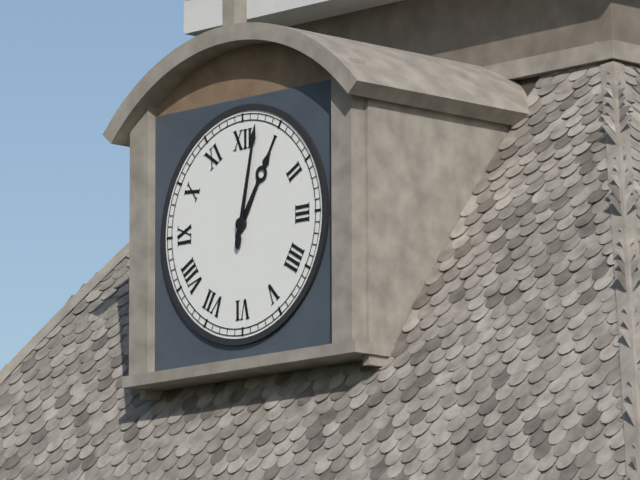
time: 1:02
